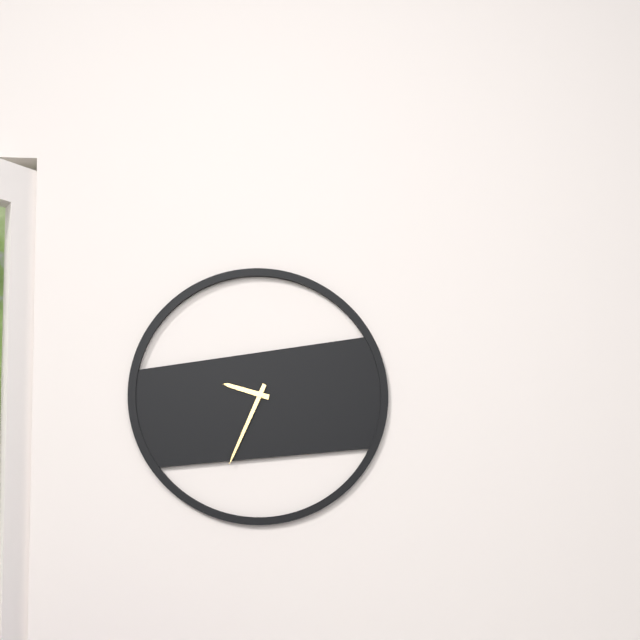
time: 9:34
